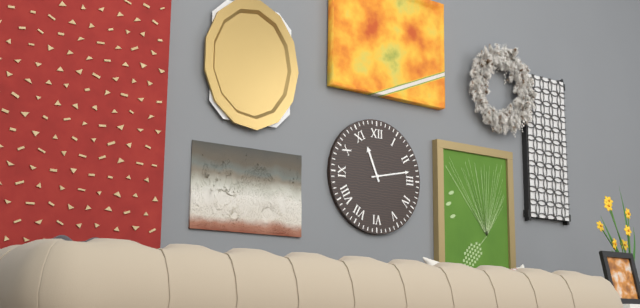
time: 11:13
